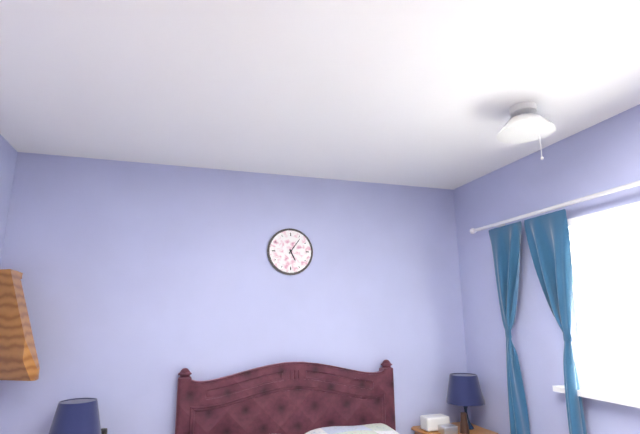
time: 5:06
